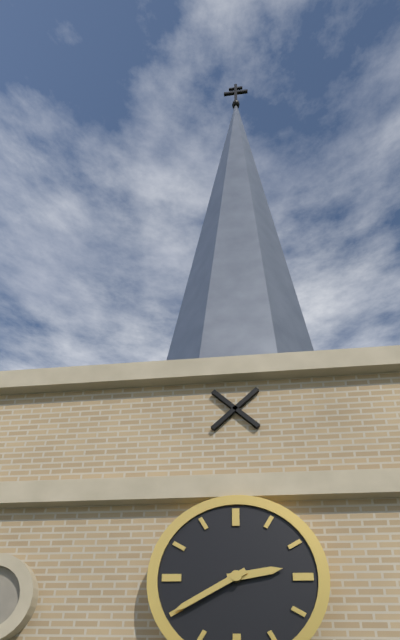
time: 2:40
